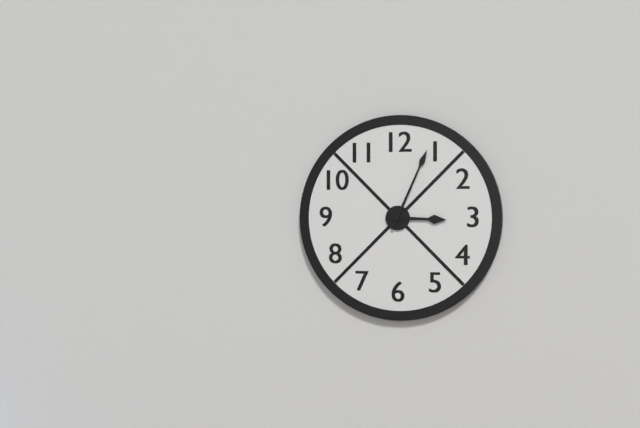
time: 3:04
